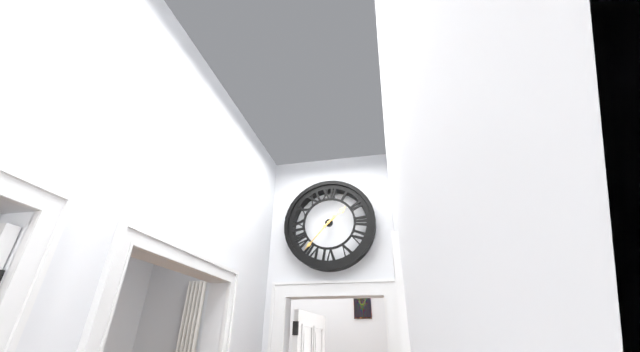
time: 1:37
